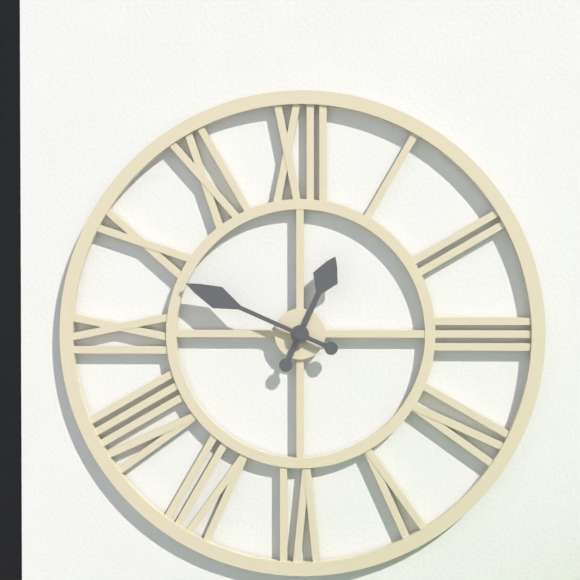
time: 12:49
